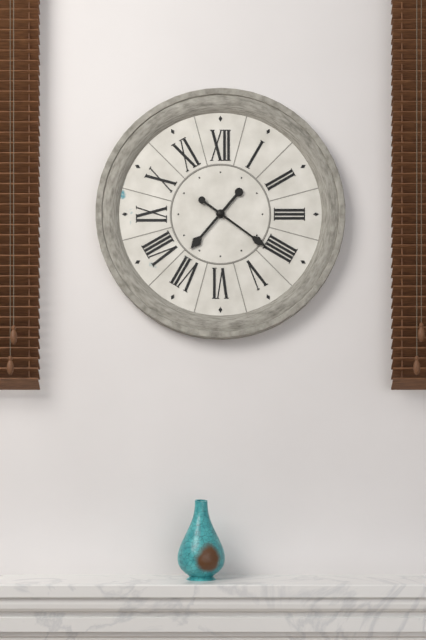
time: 7:21
